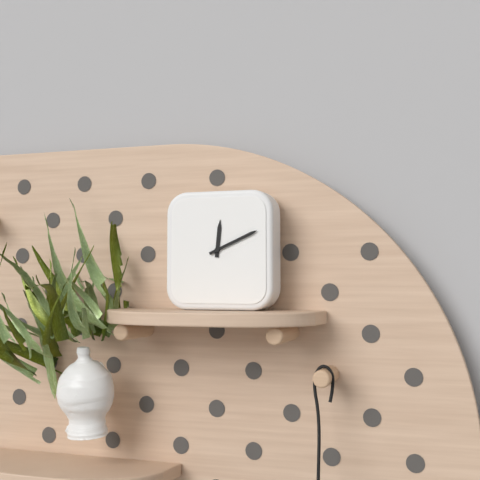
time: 12:11
